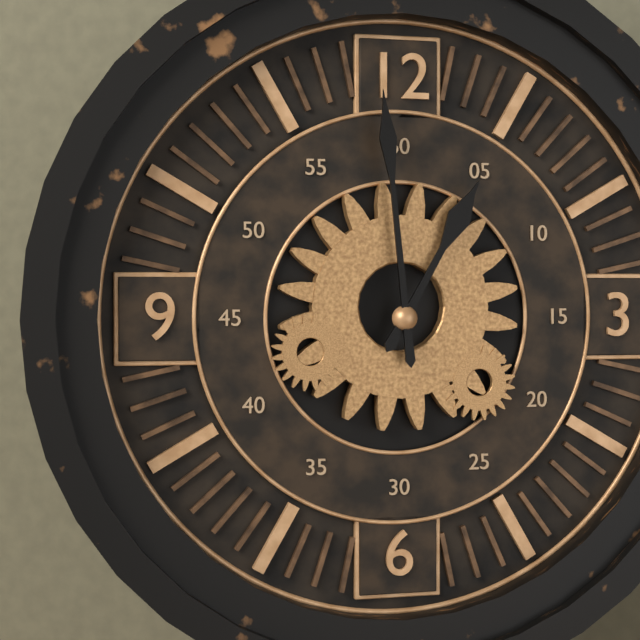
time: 12:59
